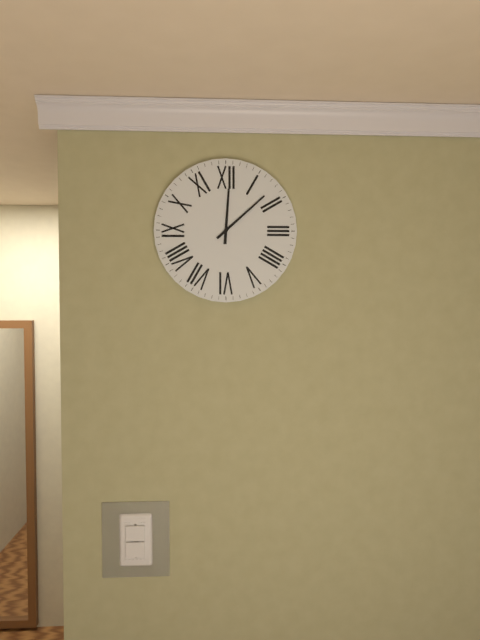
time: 12:08
